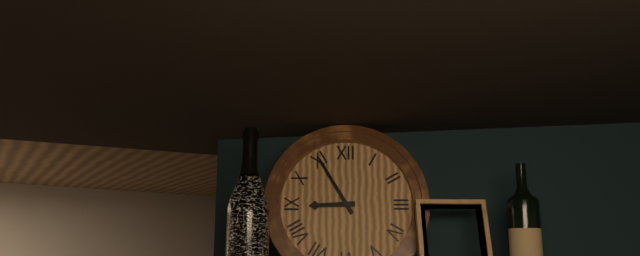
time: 8:55
